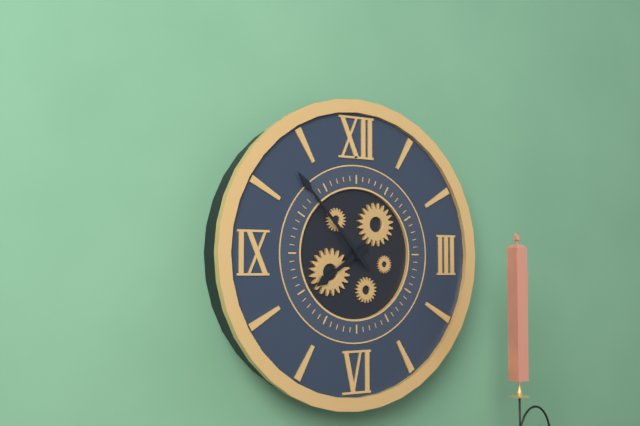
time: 7:53
